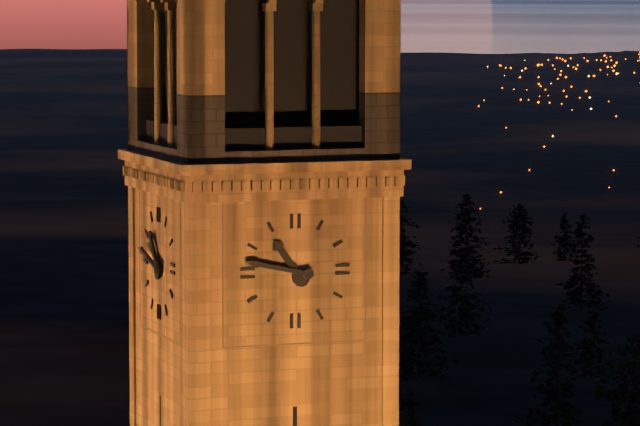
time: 10:47
